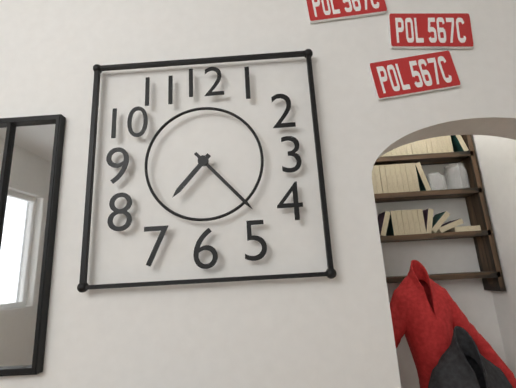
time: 7:23
